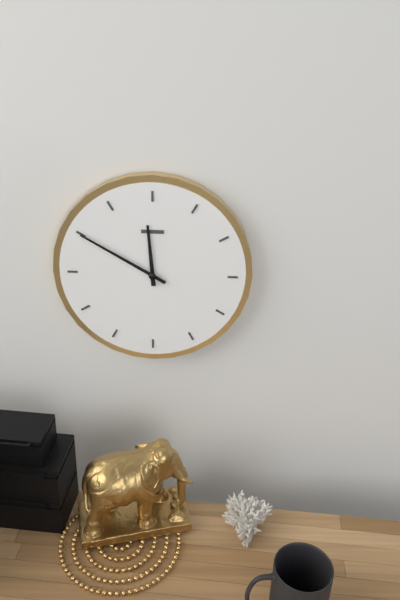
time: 11:50
